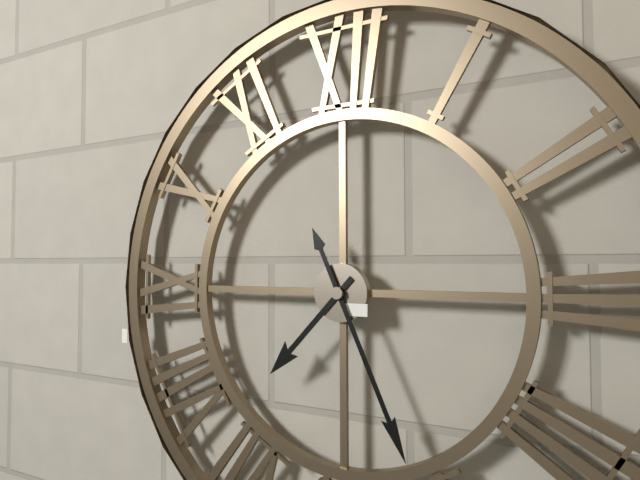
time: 7:26
